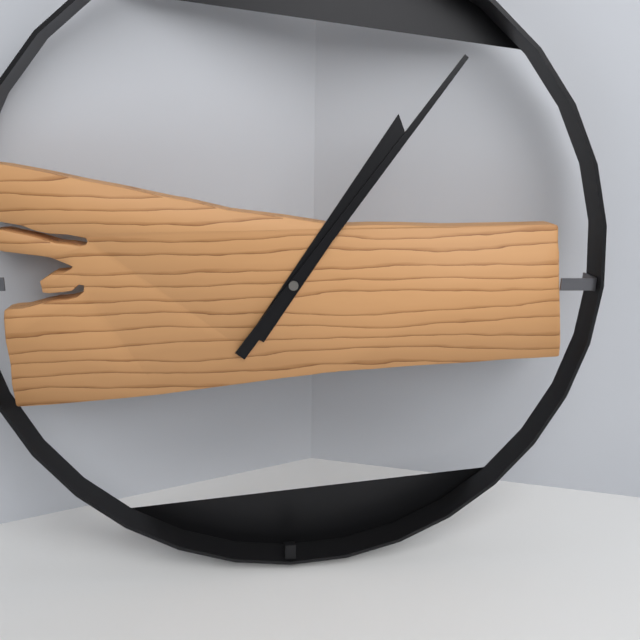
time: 1:06
